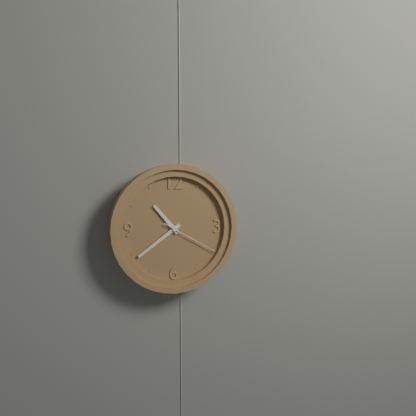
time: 10:39:20
